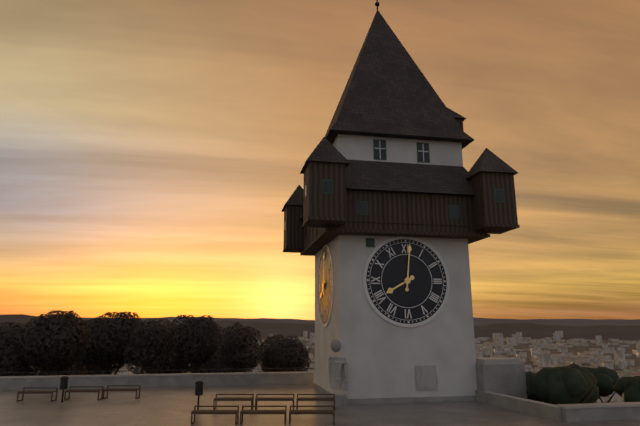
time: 8:01
